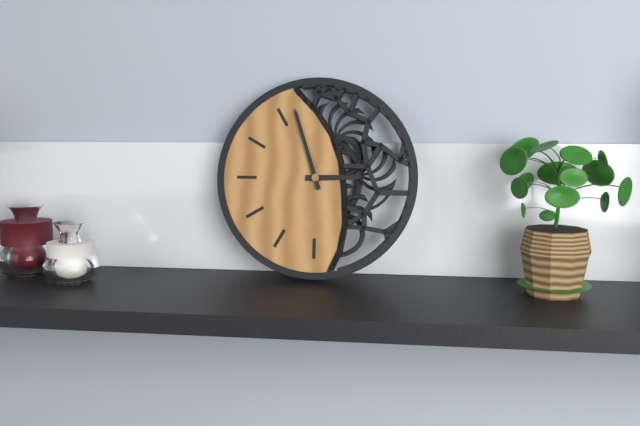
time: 2:57
